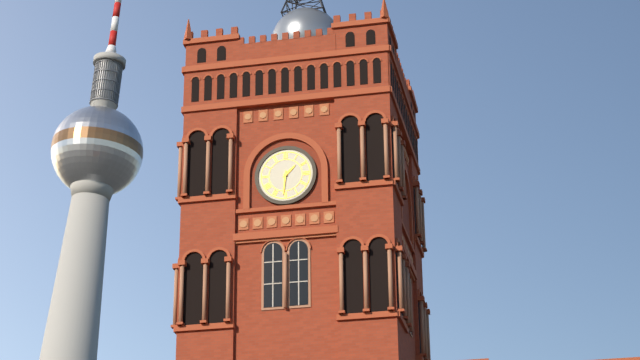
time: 1:31
